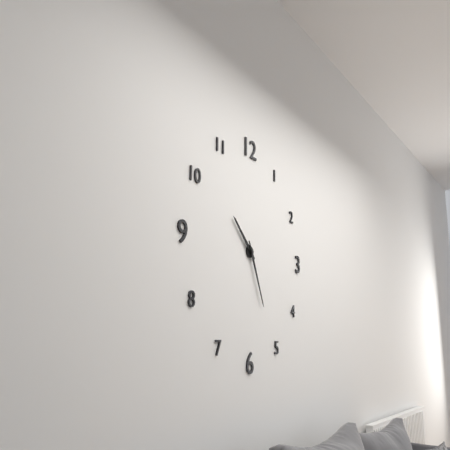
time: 10:26
